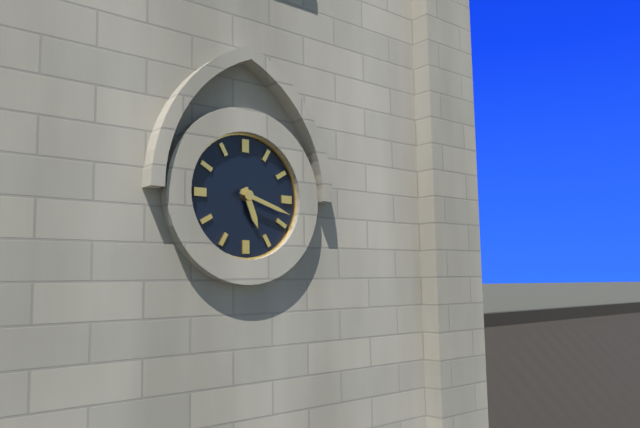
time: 5:18
